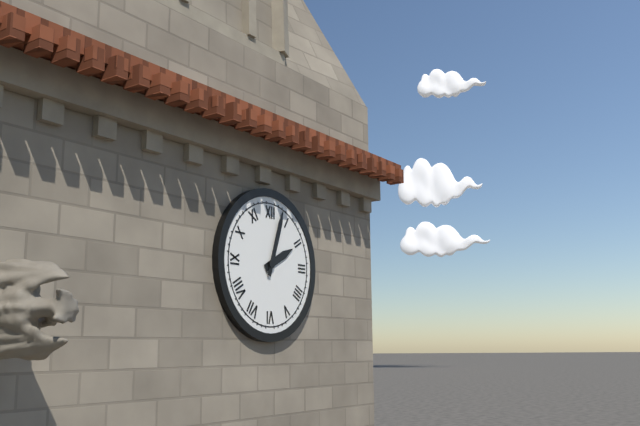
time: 2:03
